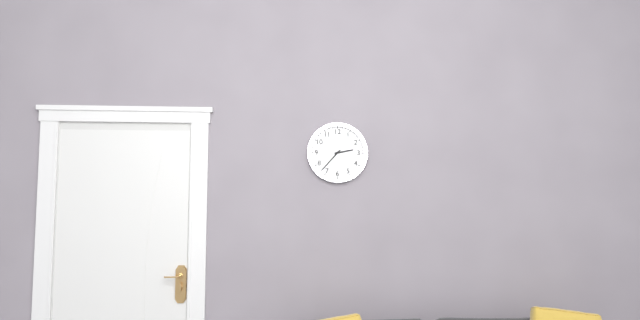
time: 2:37
